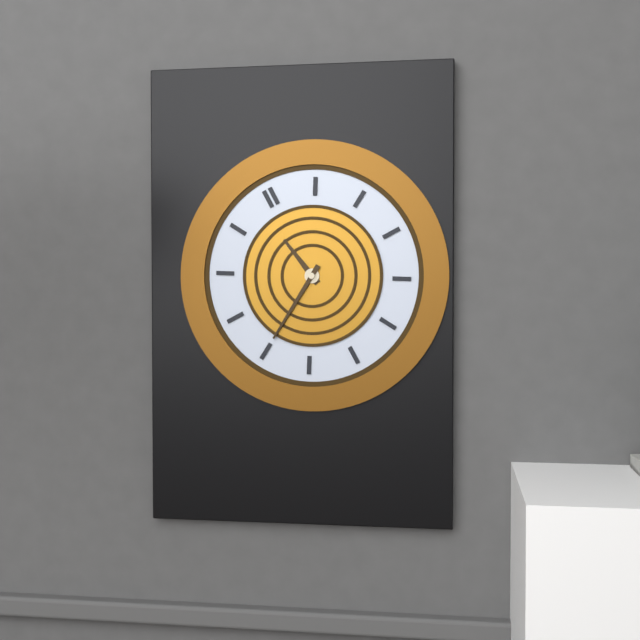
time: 11:40
